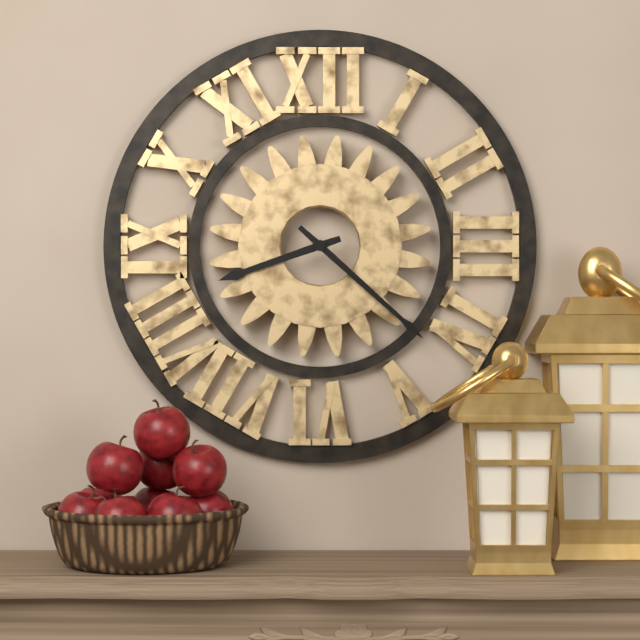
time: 8:22
